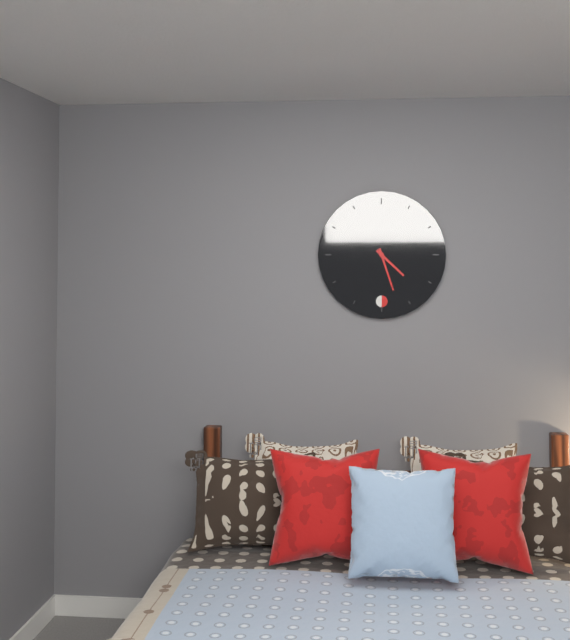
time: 4:27
